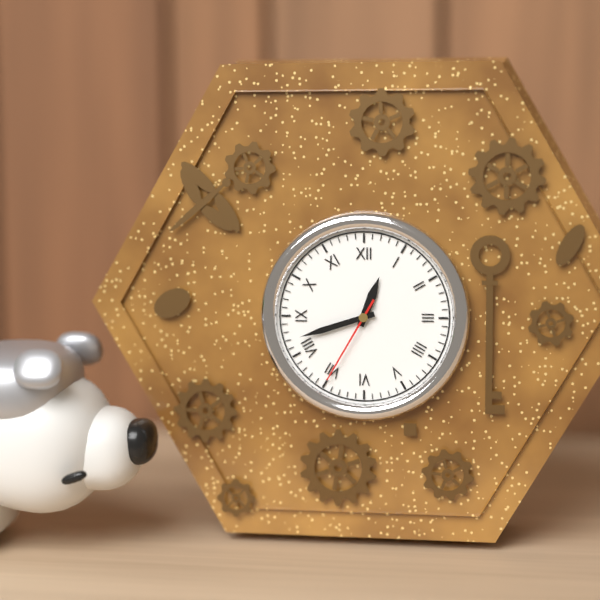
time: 12:42:35
